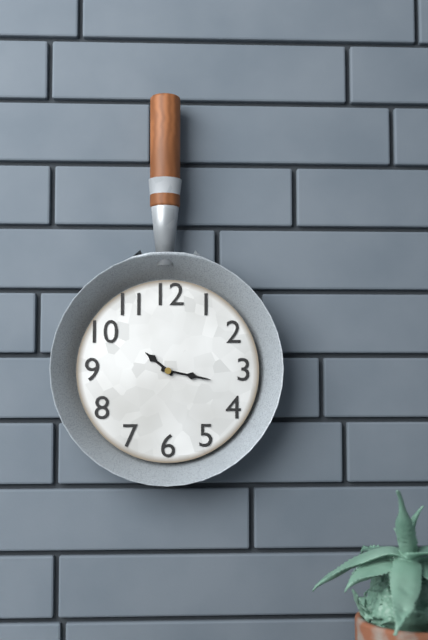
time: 10:17
